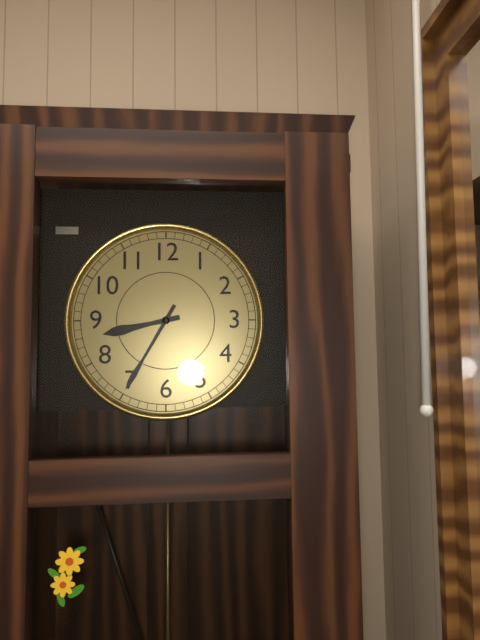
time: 8:35
